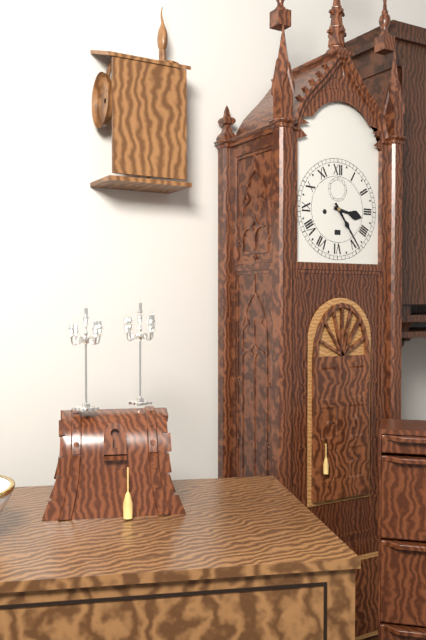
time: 3:24
